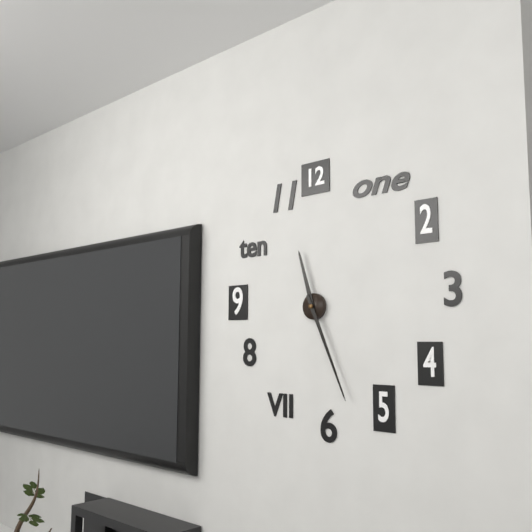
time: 11:26
